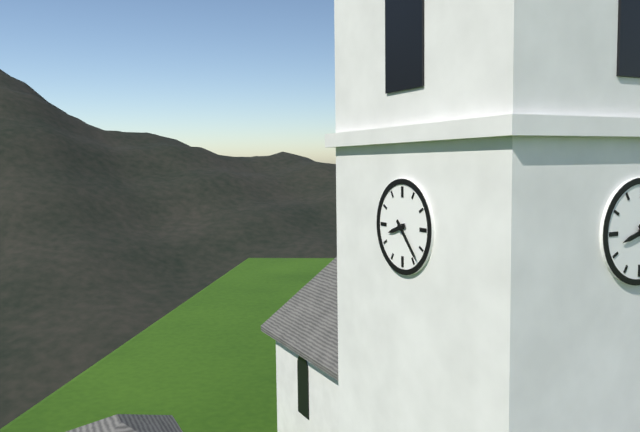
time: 8:23
